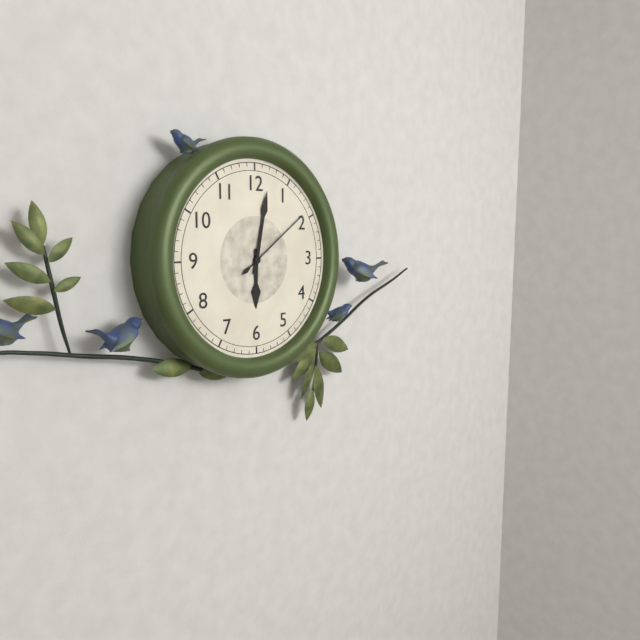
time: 6:02:09
